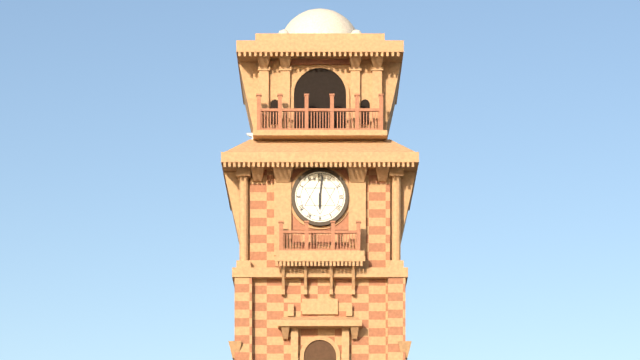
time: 6:01
